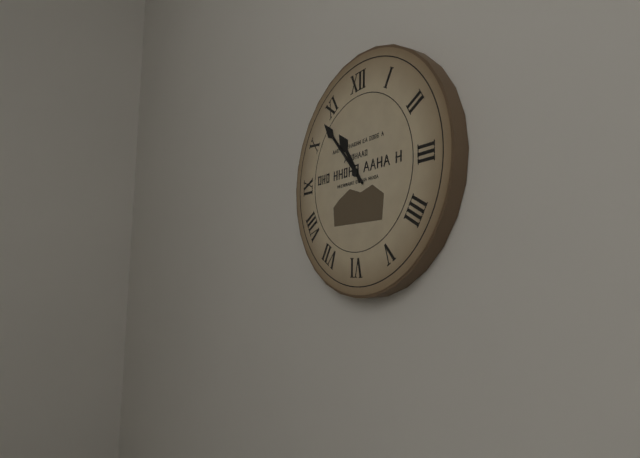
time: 10:53
